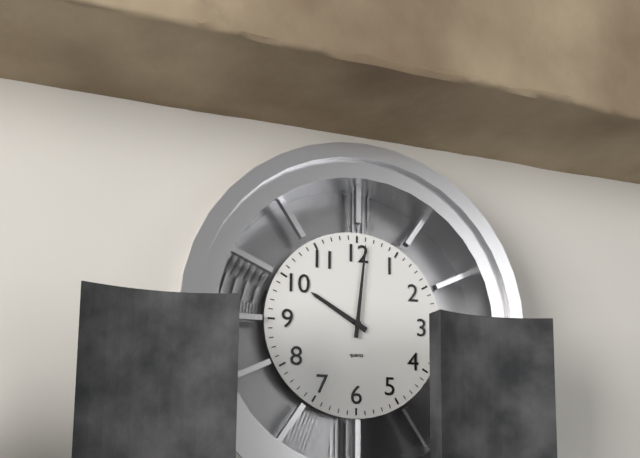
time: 10:01
